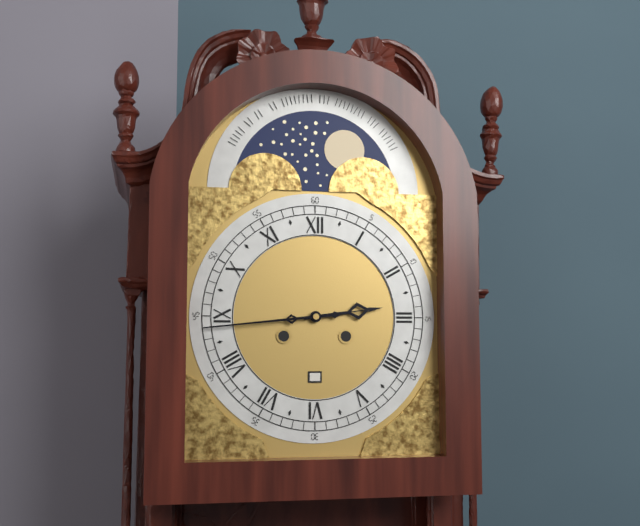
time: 2:44
